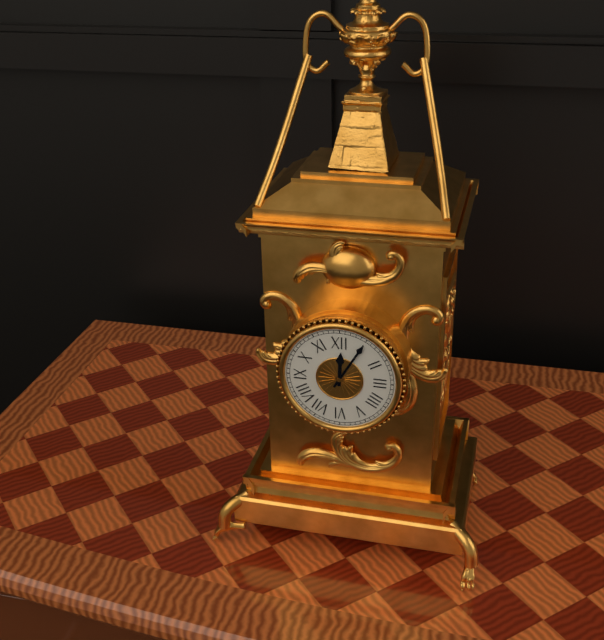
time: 12:05
